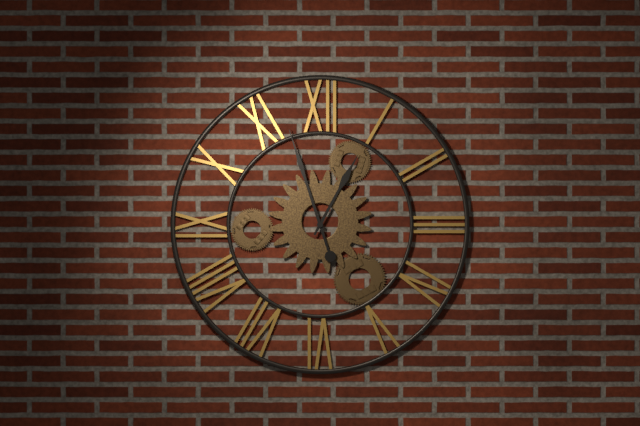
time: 12:57
